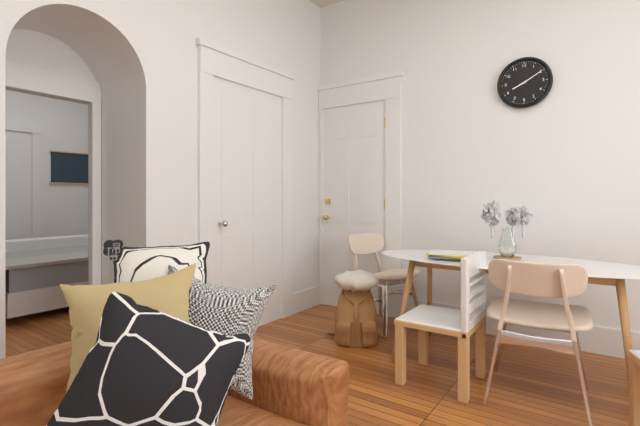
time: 8:10
